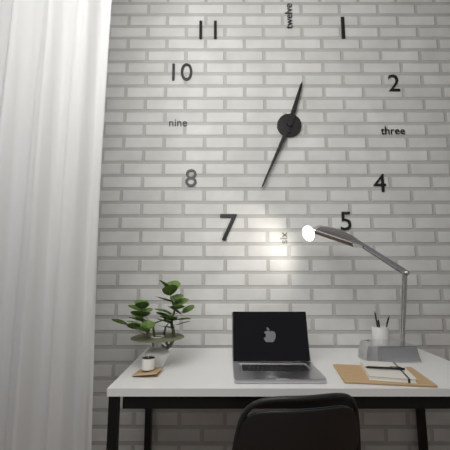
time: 12:34
